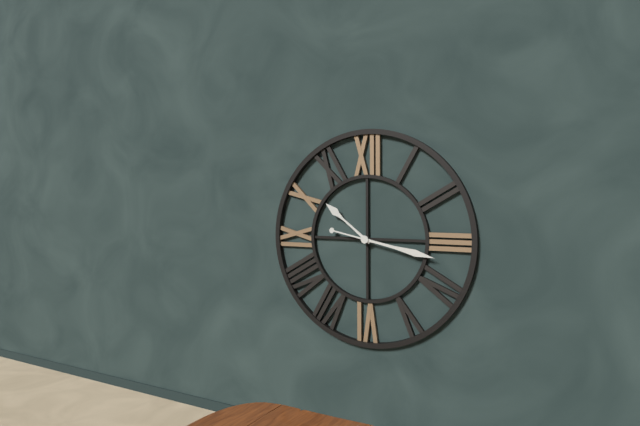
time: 10:17
